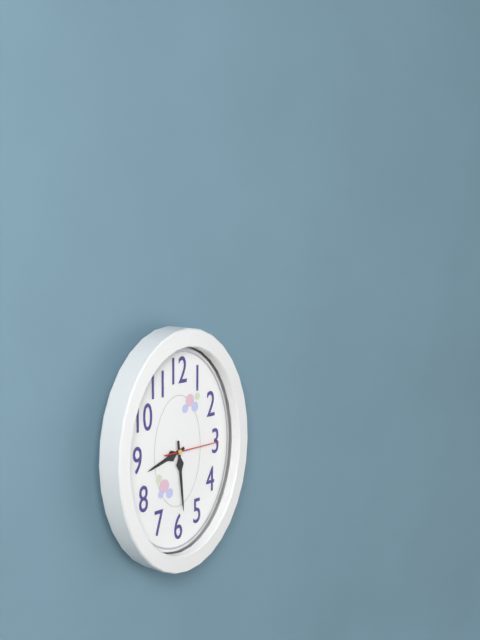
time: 8:29:15
